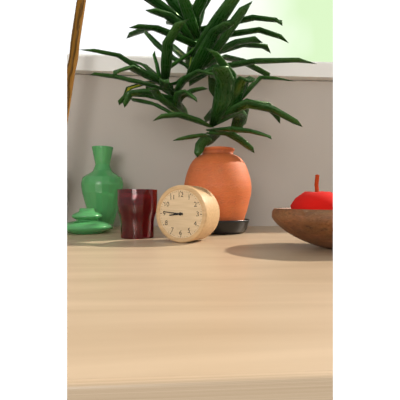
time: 8:46
